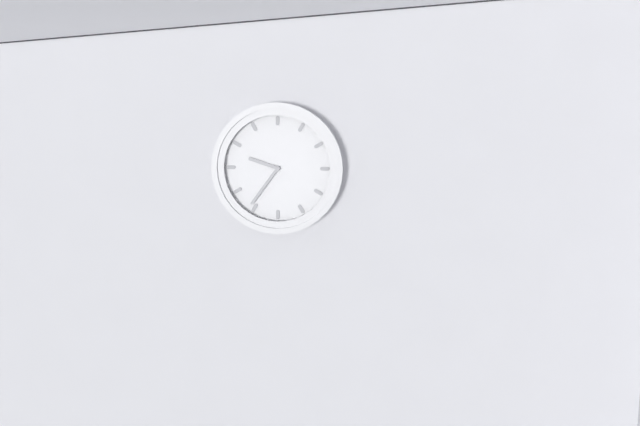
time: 9:36
